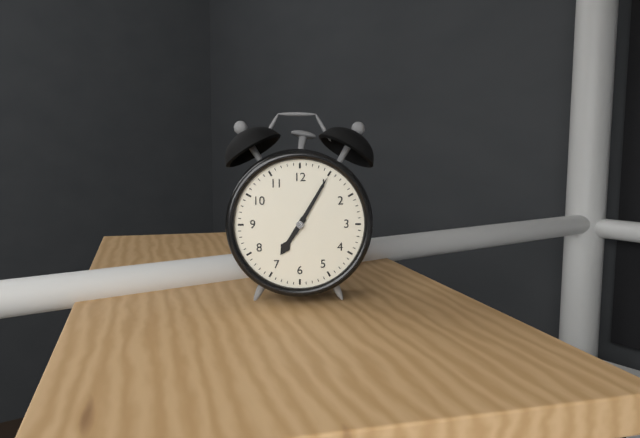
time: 7:05
